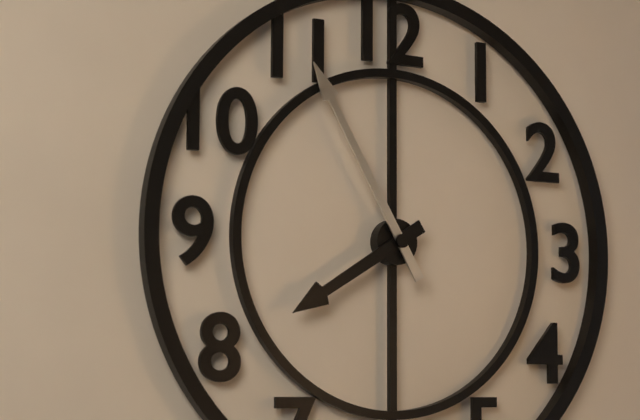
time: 7:55
